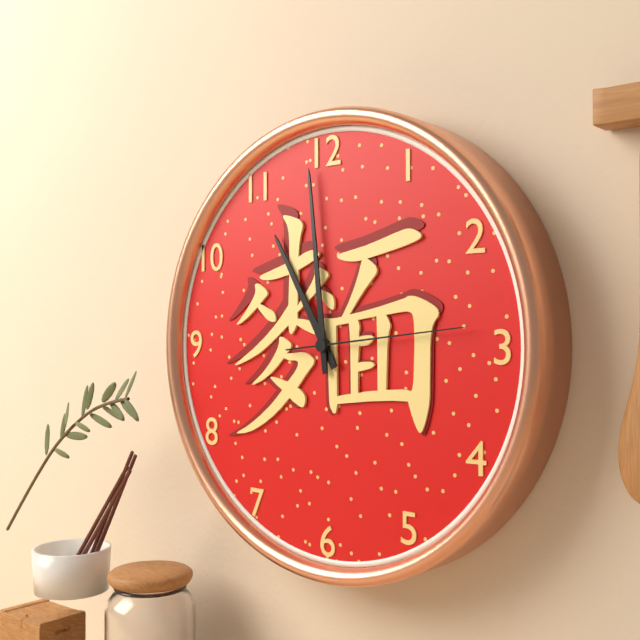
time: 10:59:14
